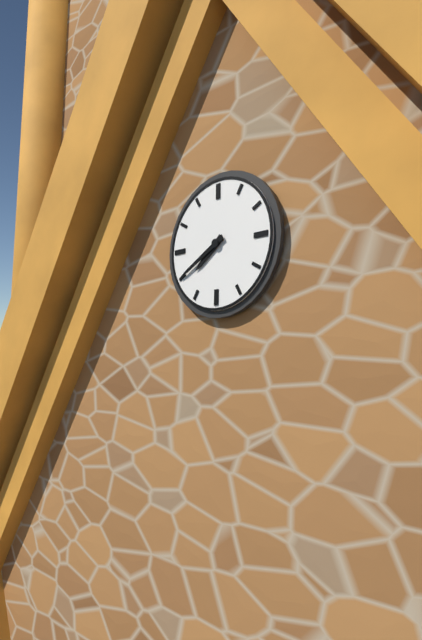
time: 7:40
